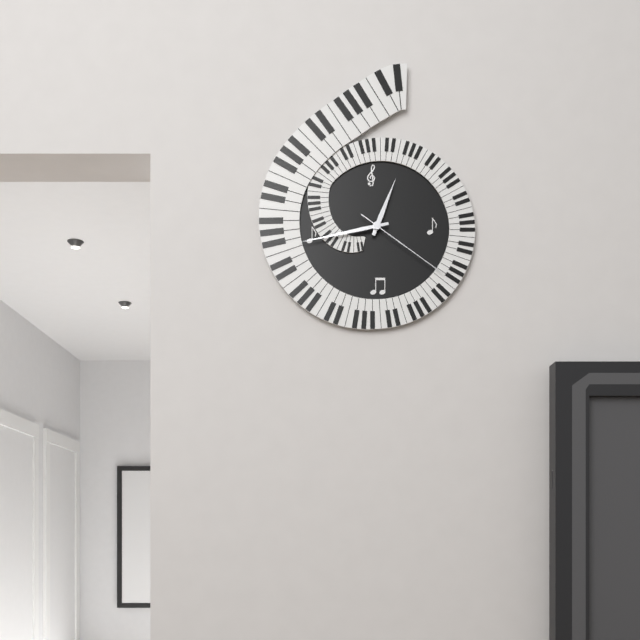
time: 12:43:21
